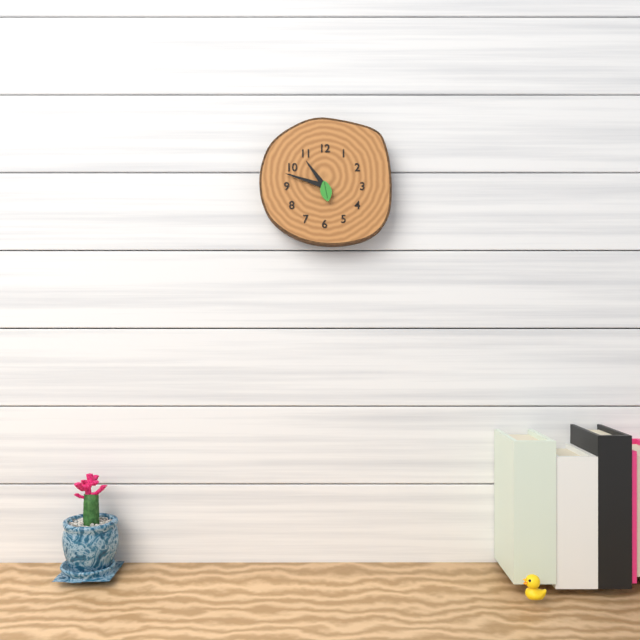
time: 10:48
